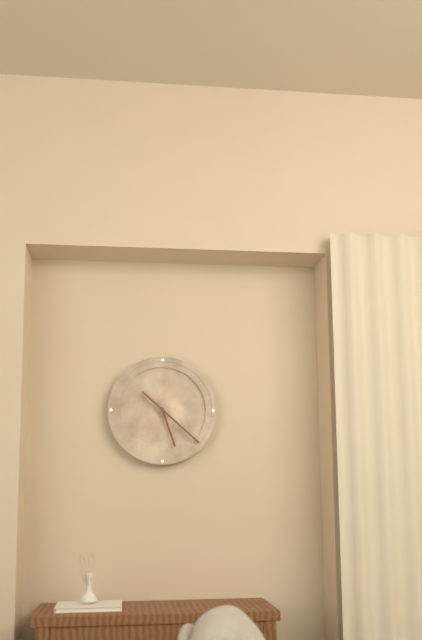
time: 5:22
